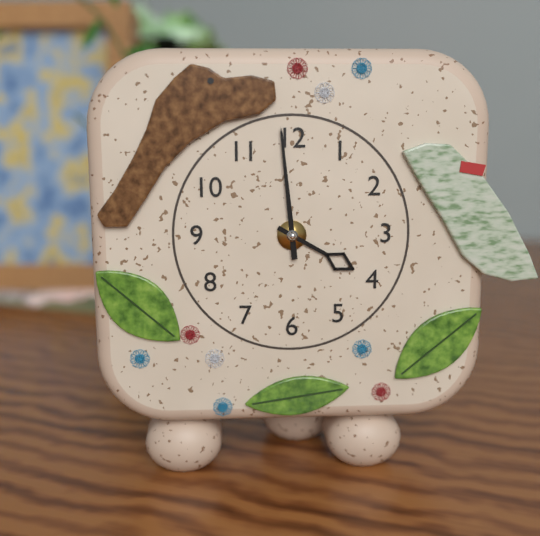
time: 3:59
